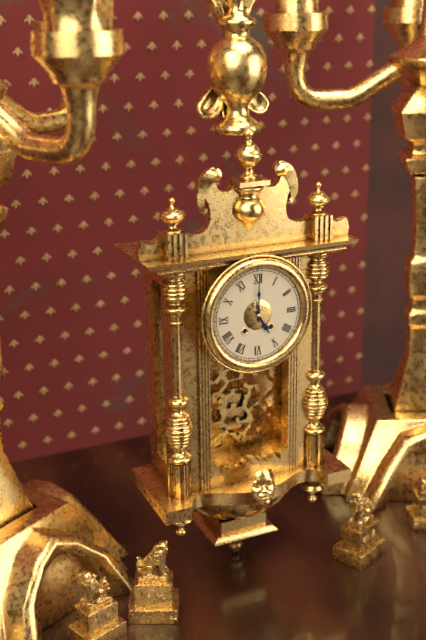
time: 5:00
